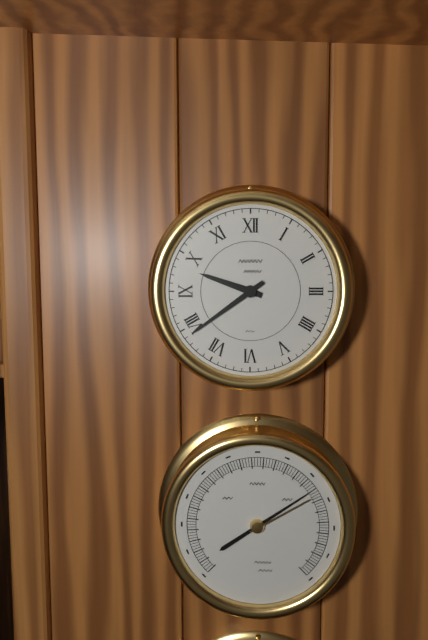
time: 9:39
